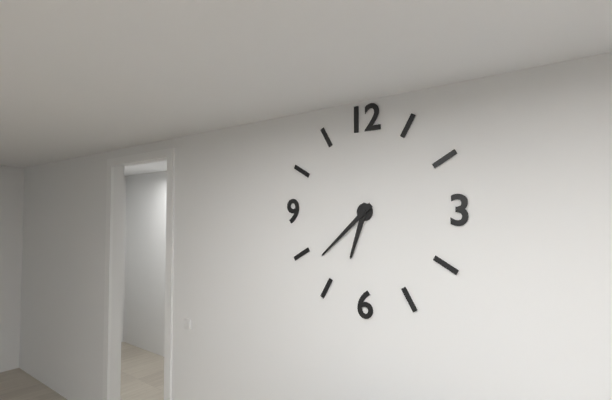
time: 6:38
